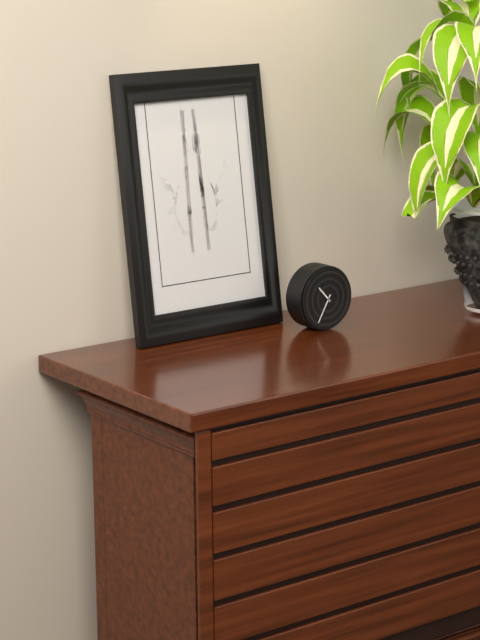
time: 10:35
